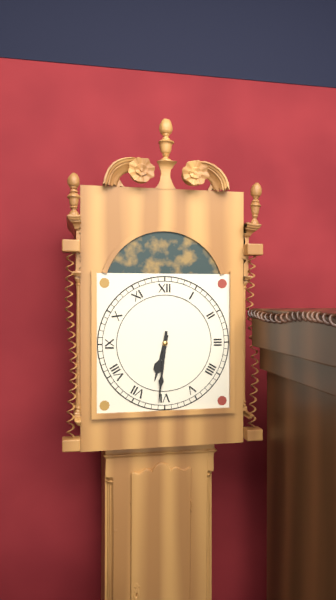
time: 6:31
